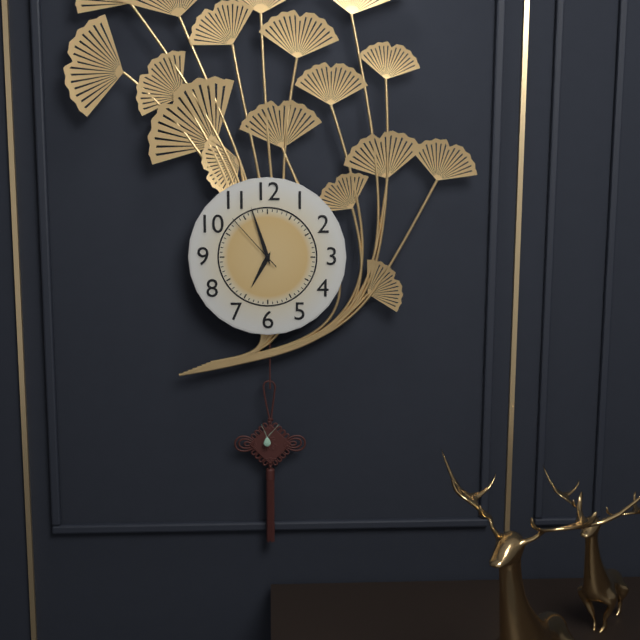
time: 6:57:53
